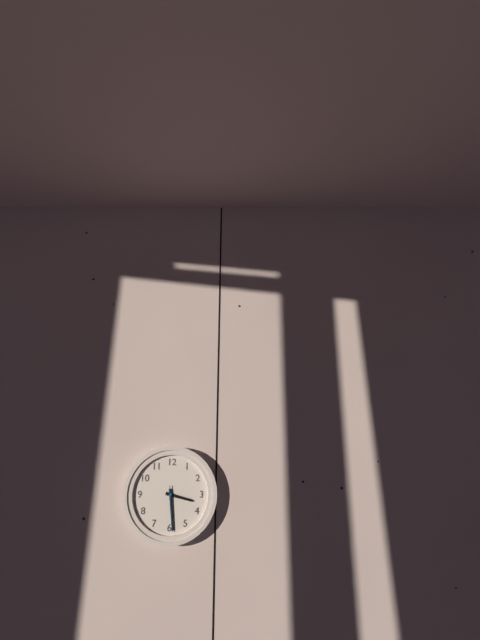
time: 3:29
